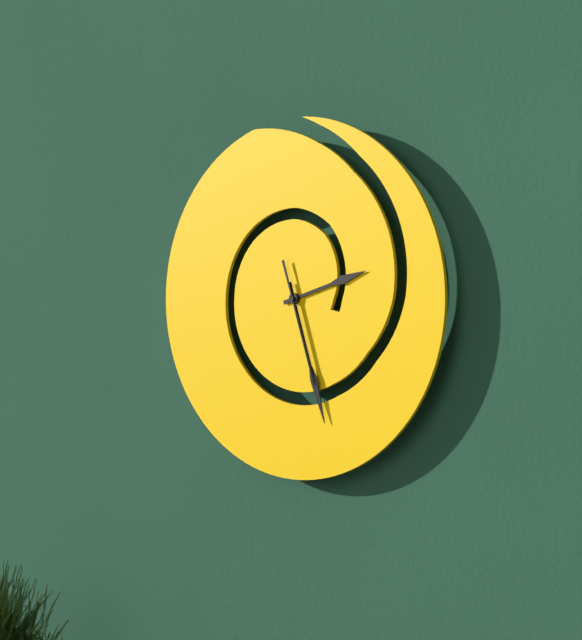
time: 2:27:27
